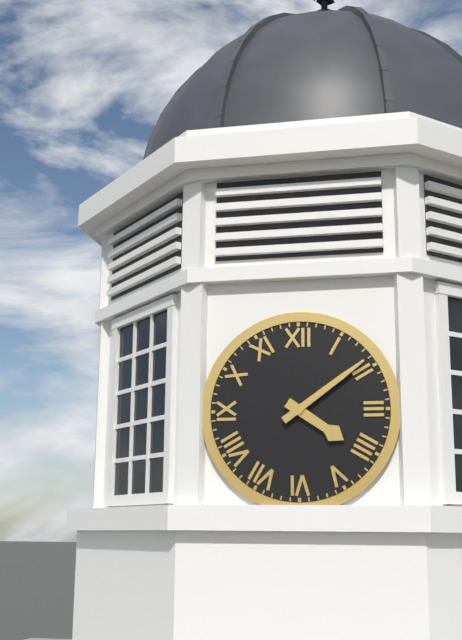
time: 4:09
